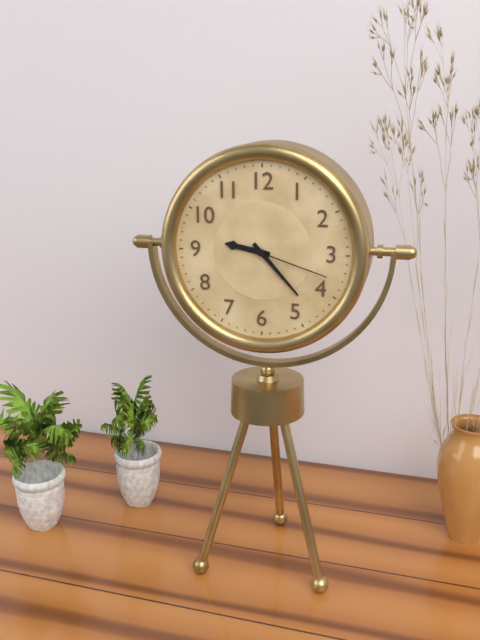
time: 9:23:18
